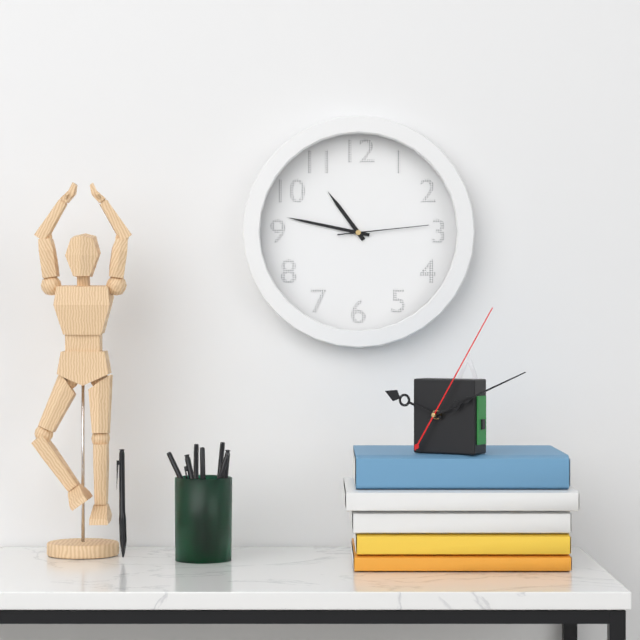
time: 10:47:14
